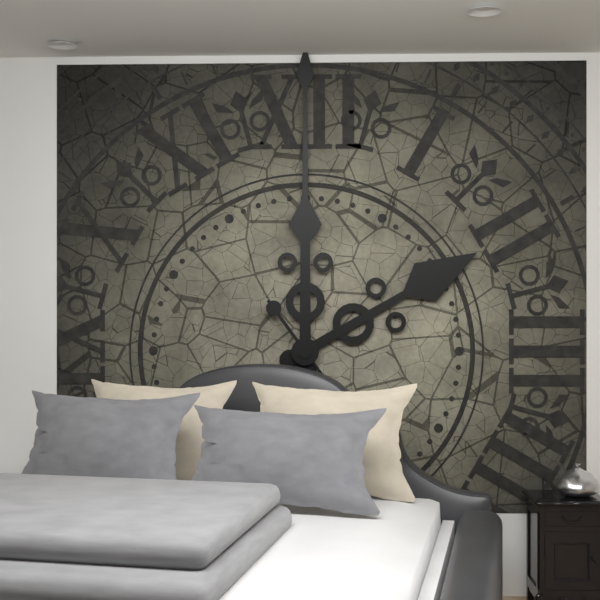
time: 2:00
